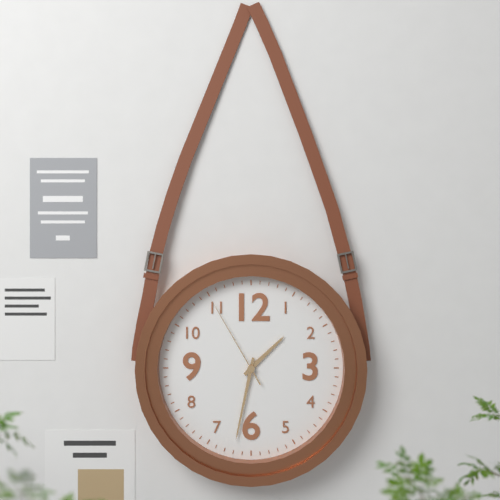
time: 1:32:55
